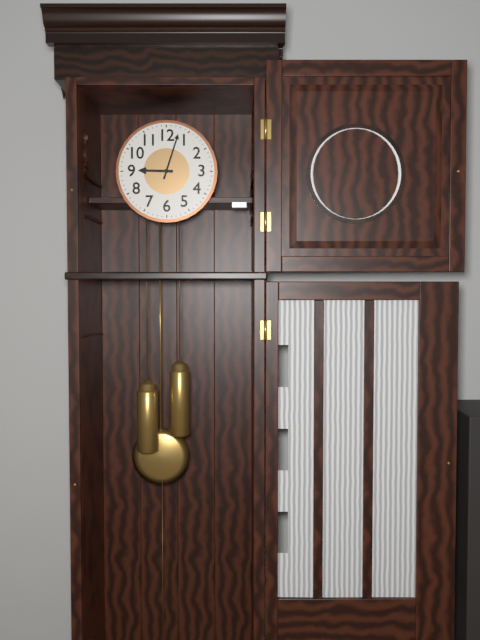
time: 9:03
